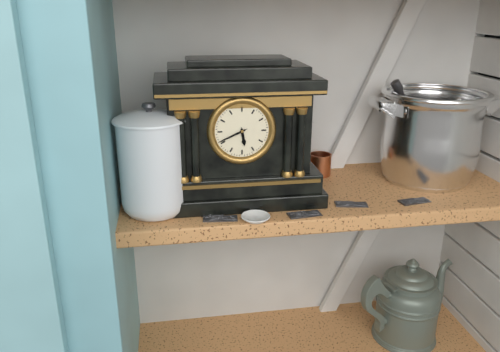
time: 5:41
